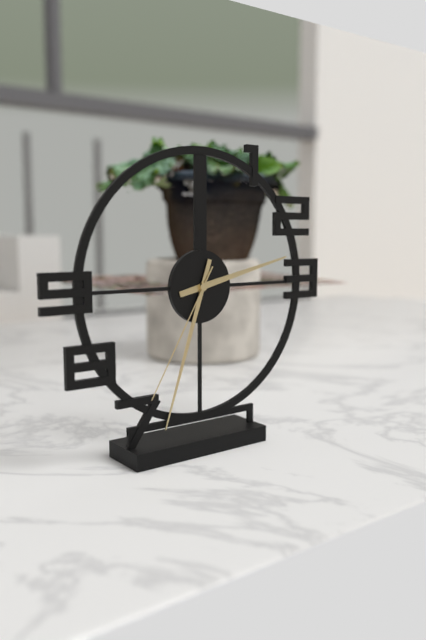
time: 2:33:35
